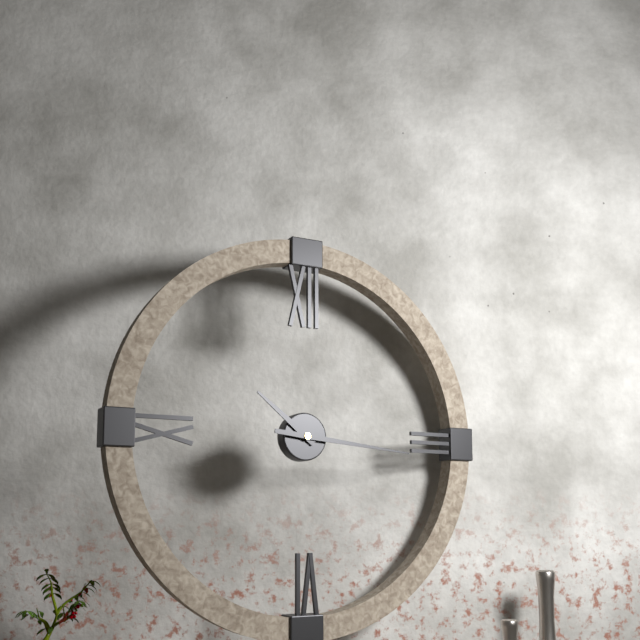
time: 10:16
